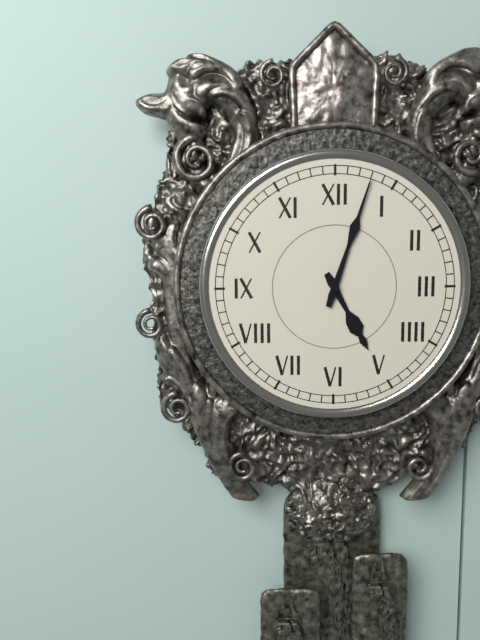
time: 5:03
